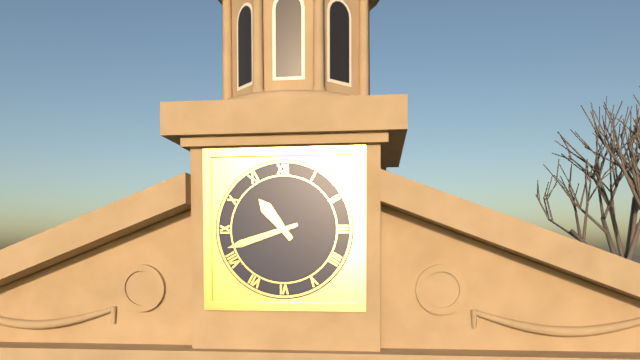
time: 10:42
